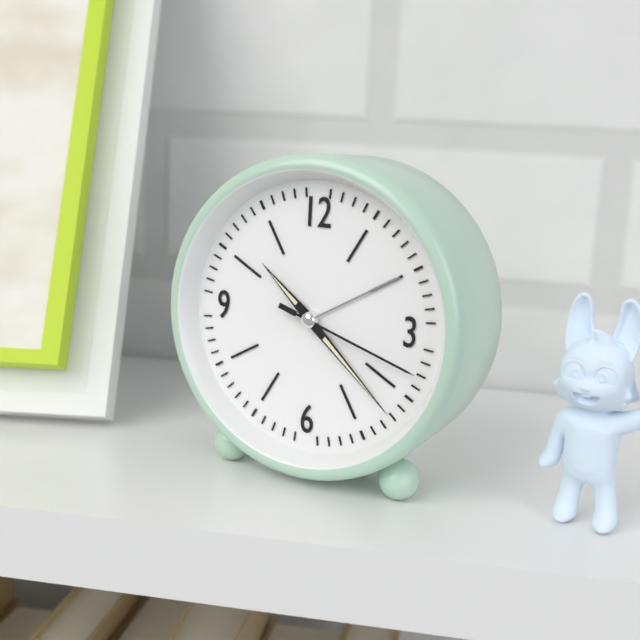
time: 10:22:18
